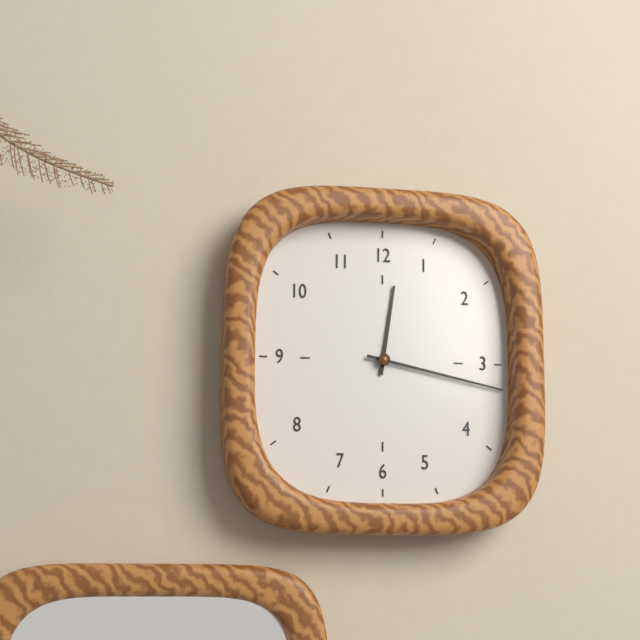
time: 12:17
